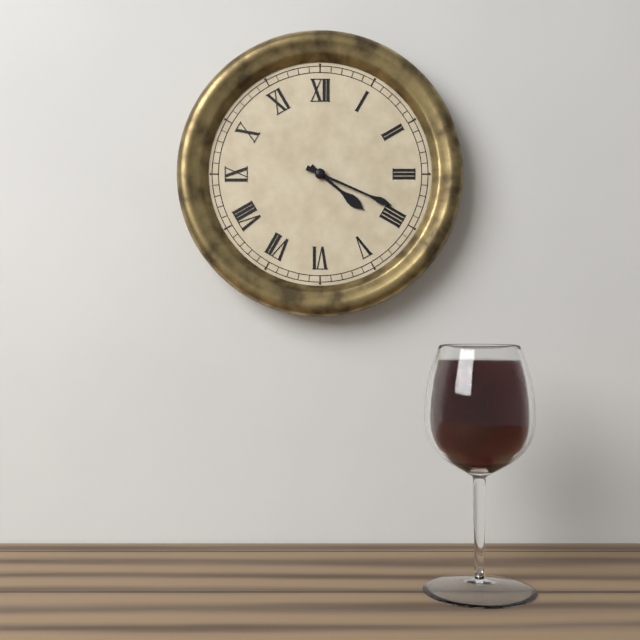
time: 4:19
